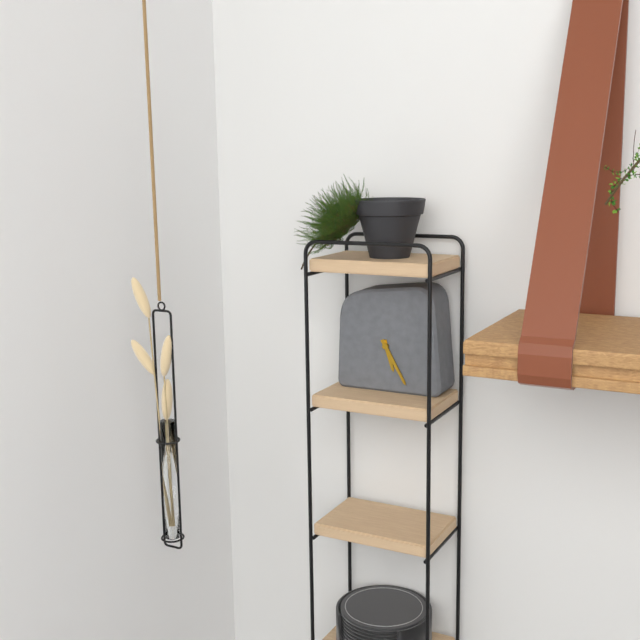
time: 5:25
